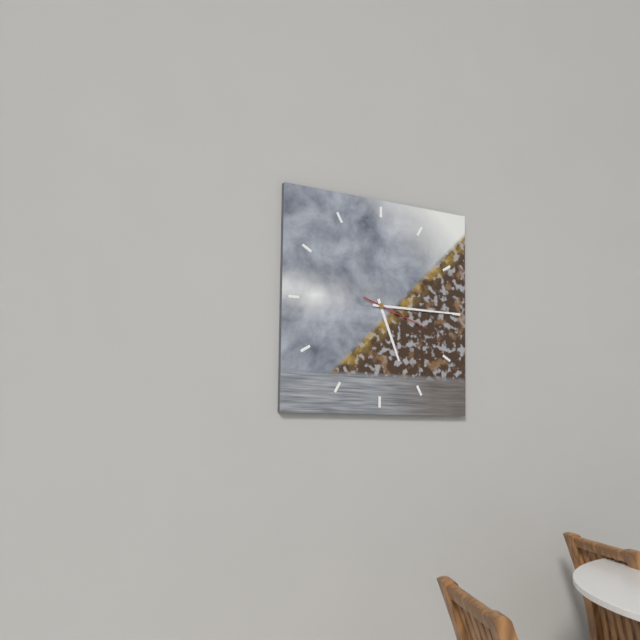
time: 5:15:18
